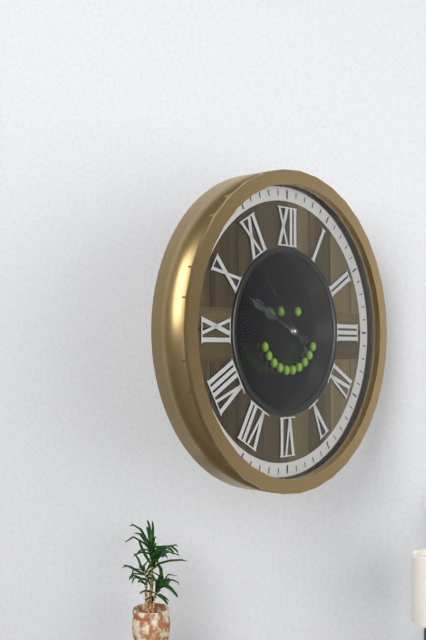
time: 9:49:53
